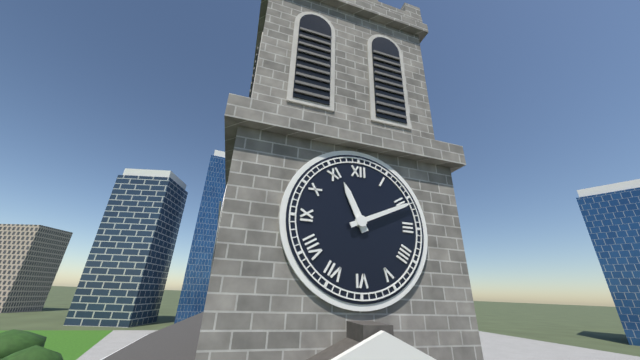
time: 11:11
